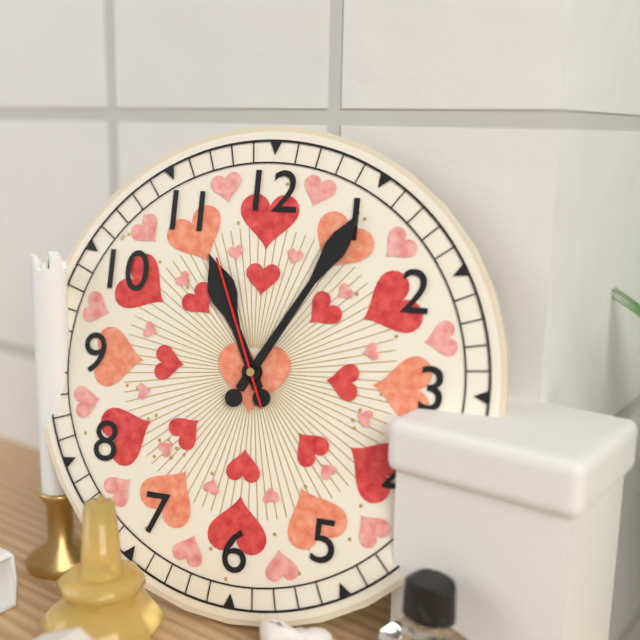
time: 11:05:56
